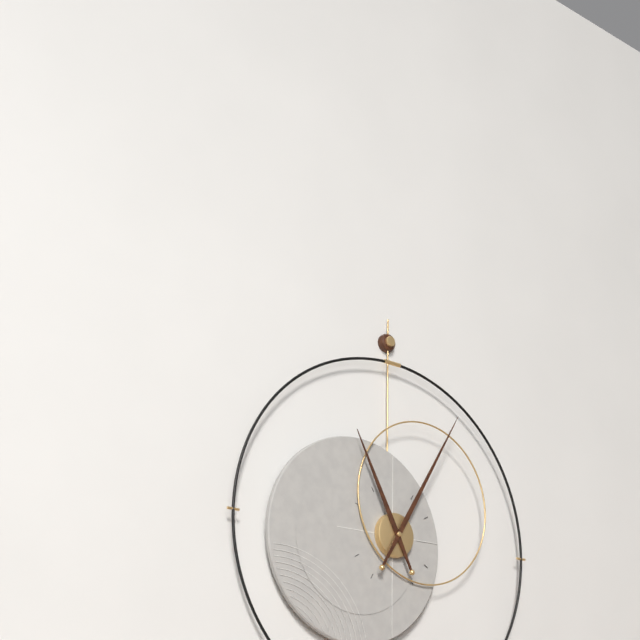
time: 11:05
